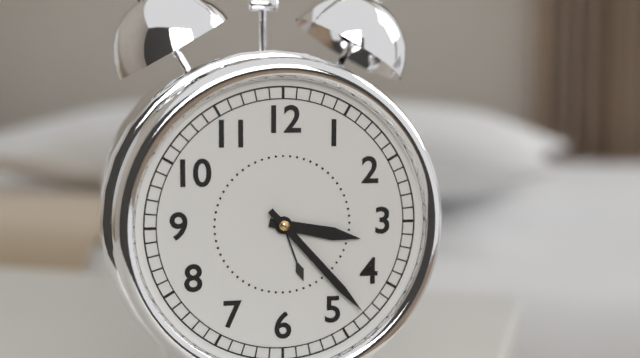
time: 3:23
